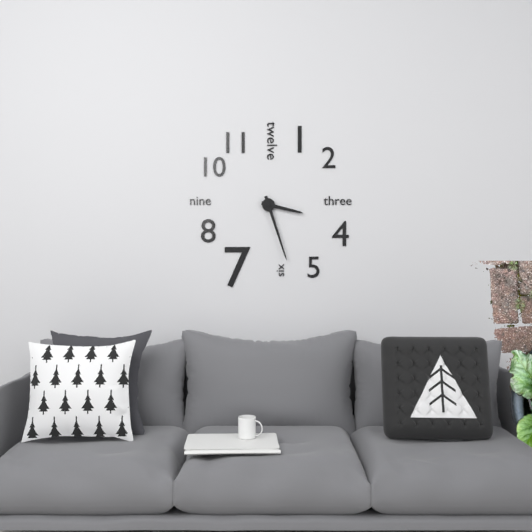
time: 3:27
